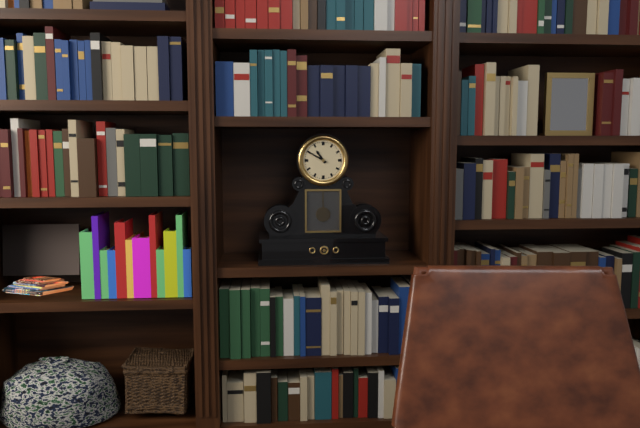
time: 10:50
